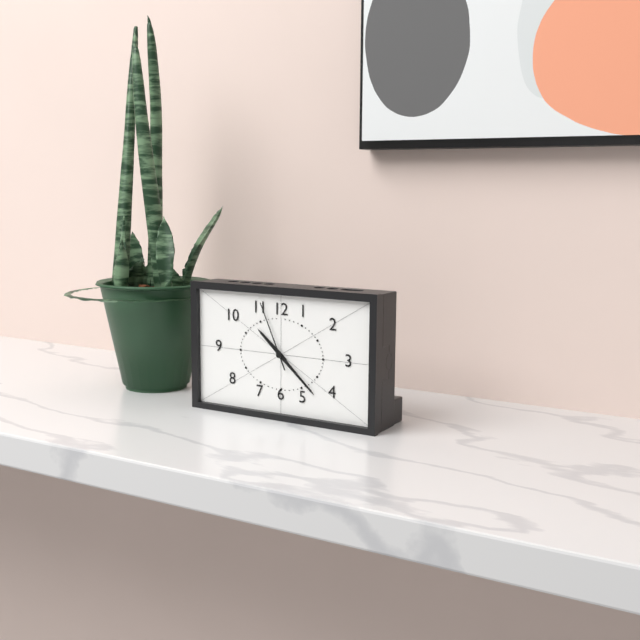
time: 10:22:56
